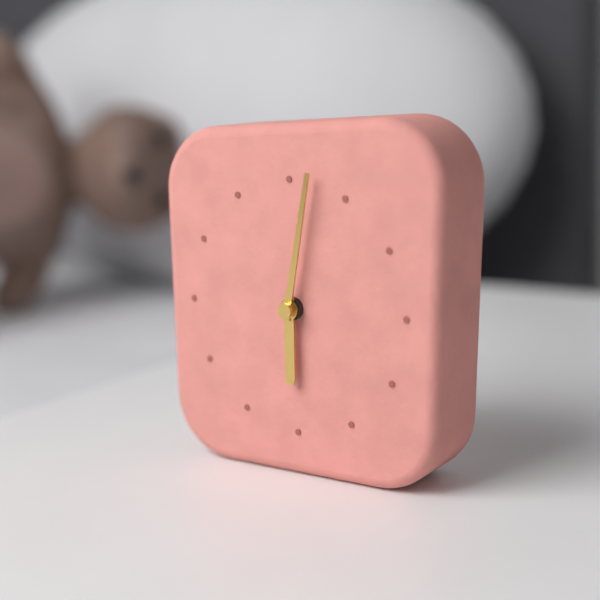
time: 6:02
